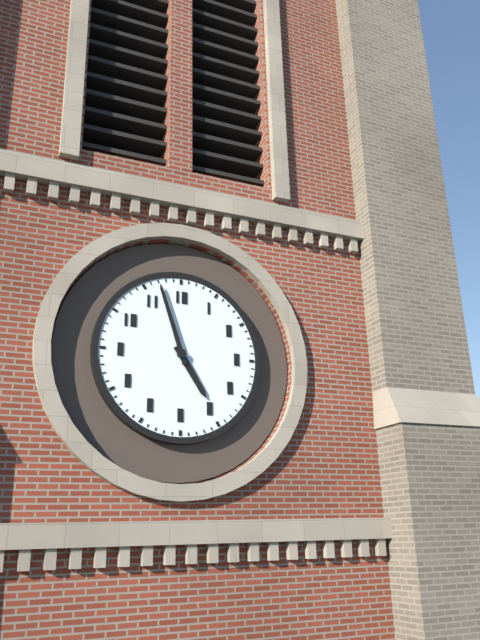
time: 4:57
